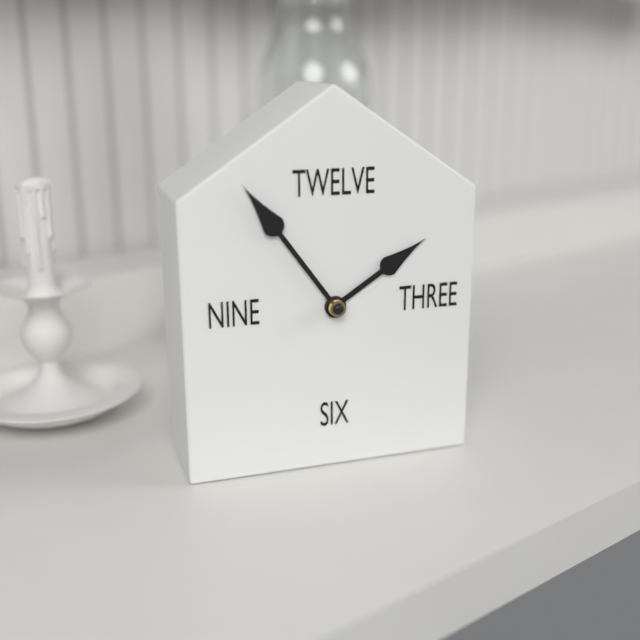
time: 1:54
